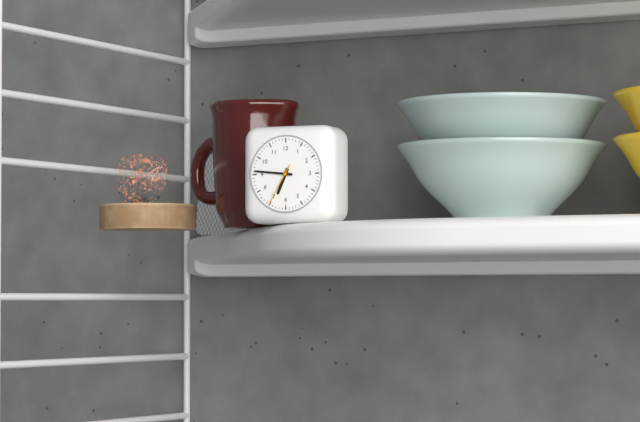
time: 6:46
